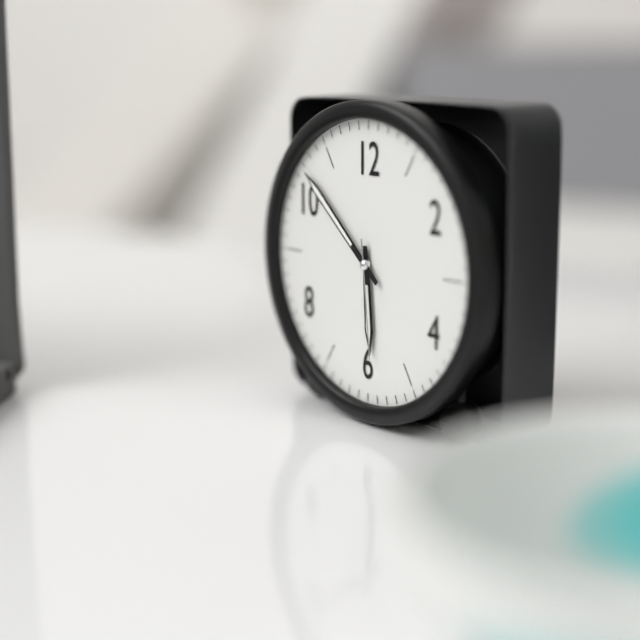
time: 5:52:29
